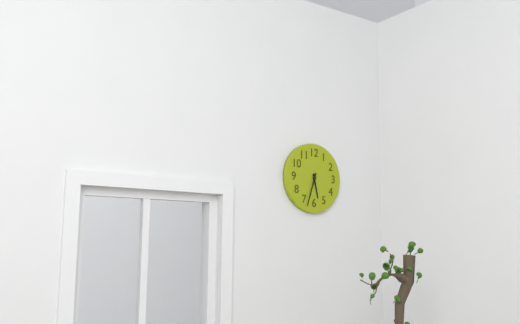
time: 5:33
